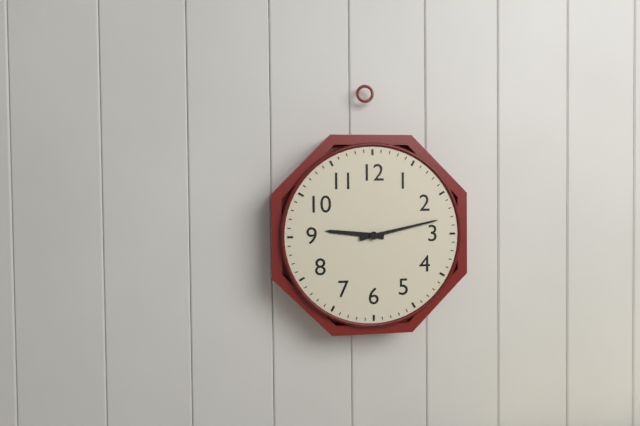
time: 9:13
